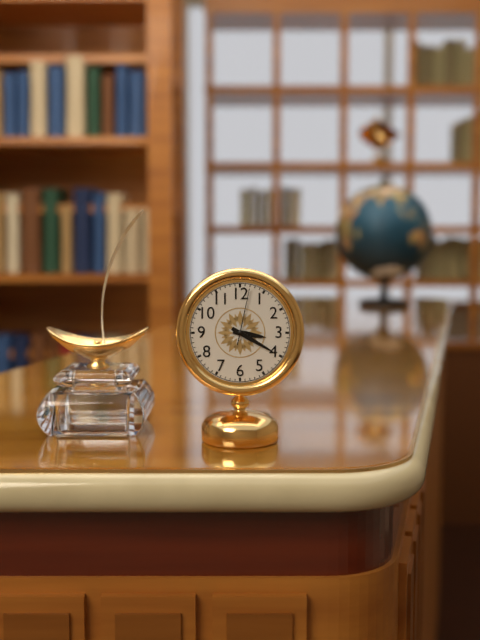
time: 3:20:02
